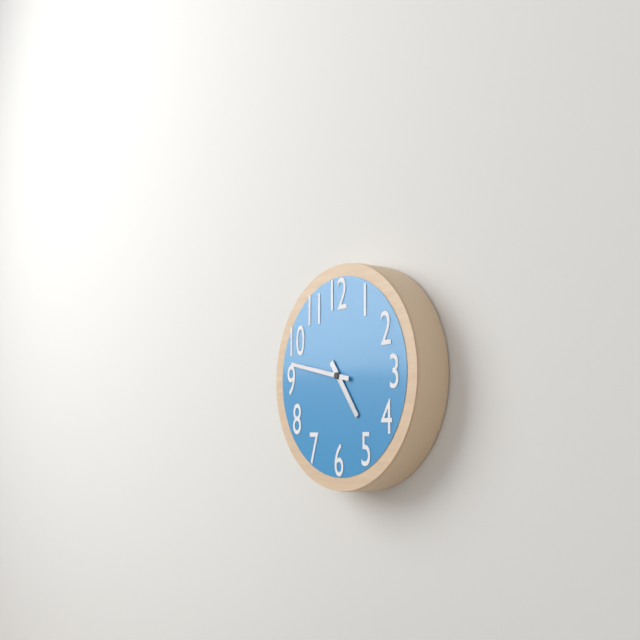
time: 4:47
